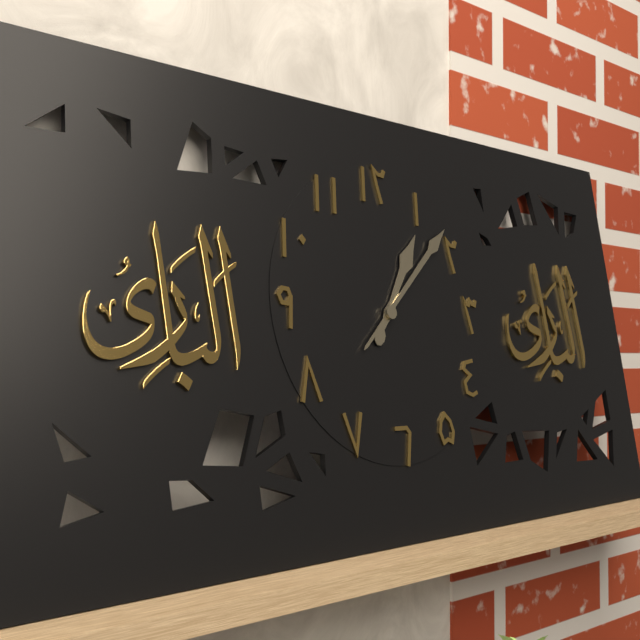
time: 1:08
